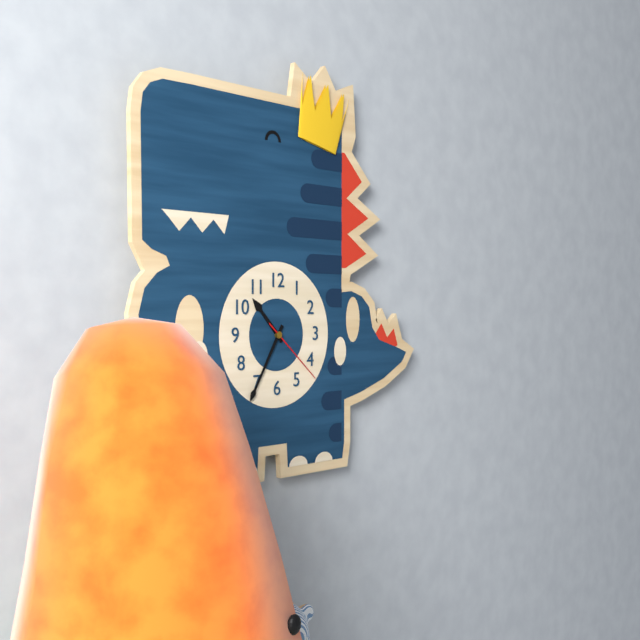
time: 10:35:22
